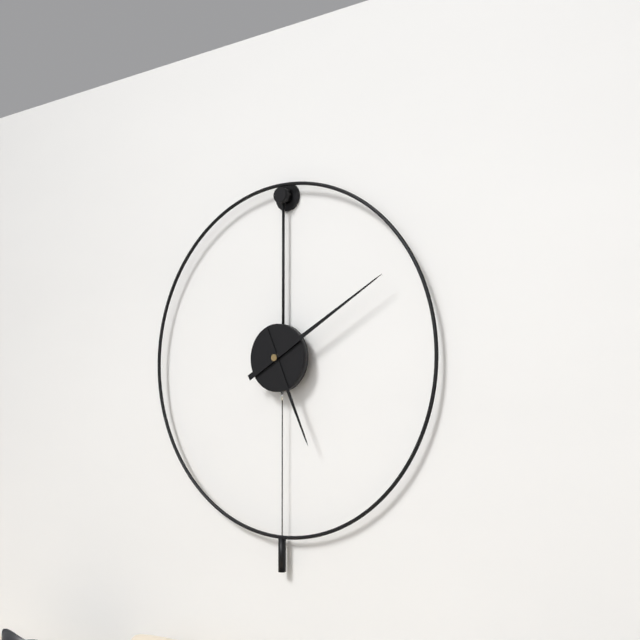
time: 5:10
